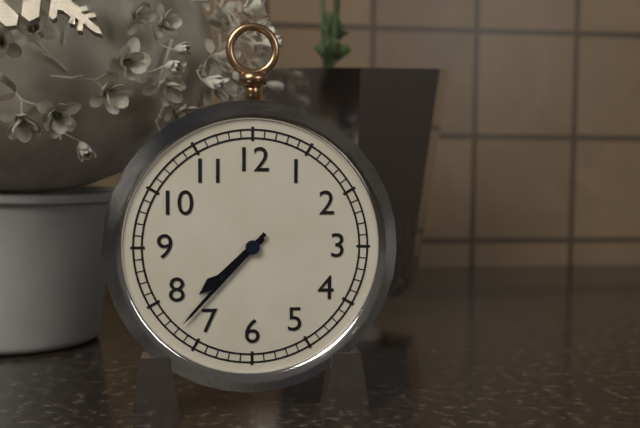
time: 7:37
